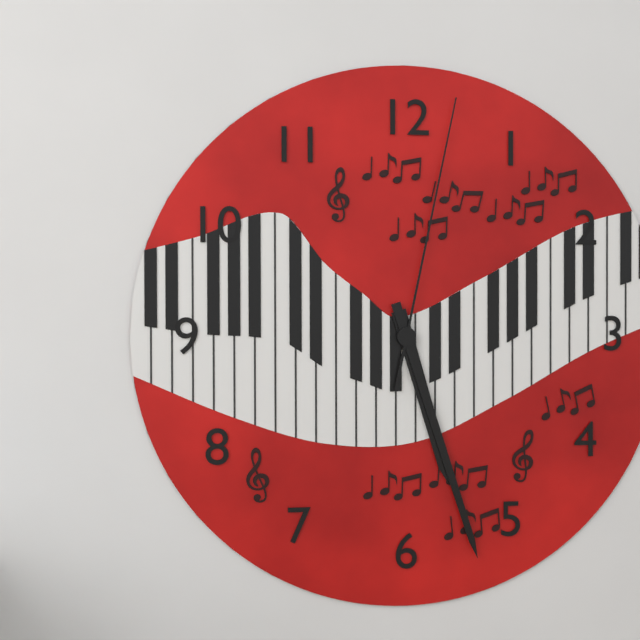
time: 5:27:02
